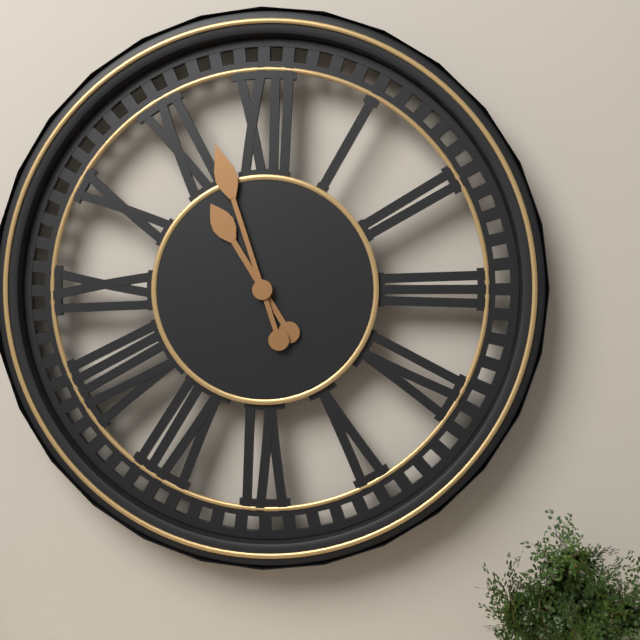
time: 10:57
